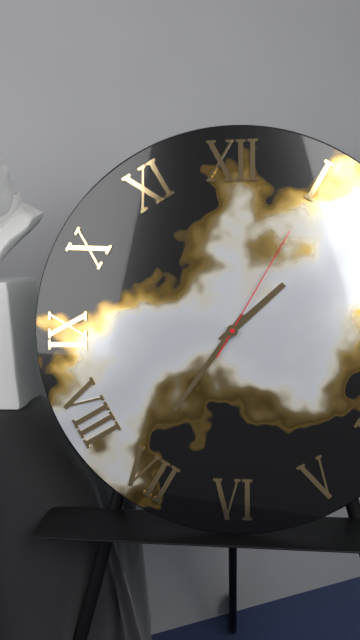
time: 1:36:05
